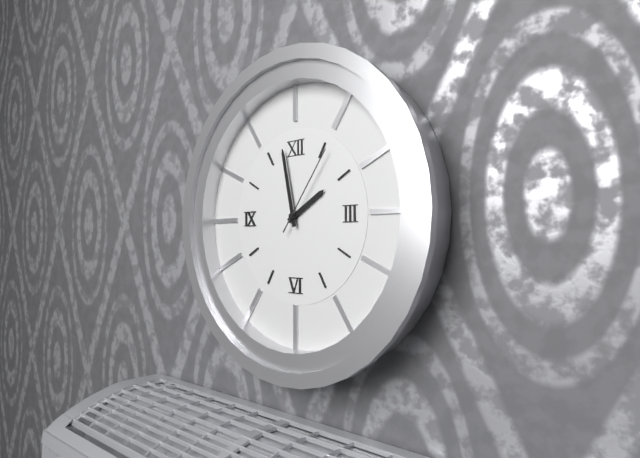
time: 1:58:06
